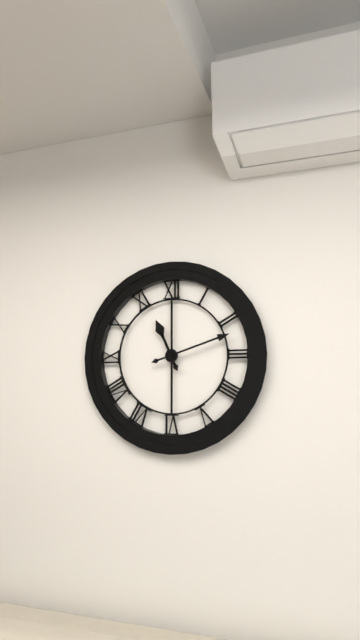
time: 11:12
